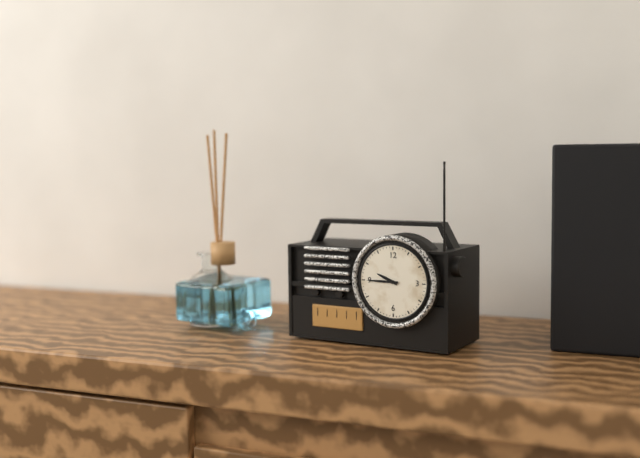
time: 9:45
